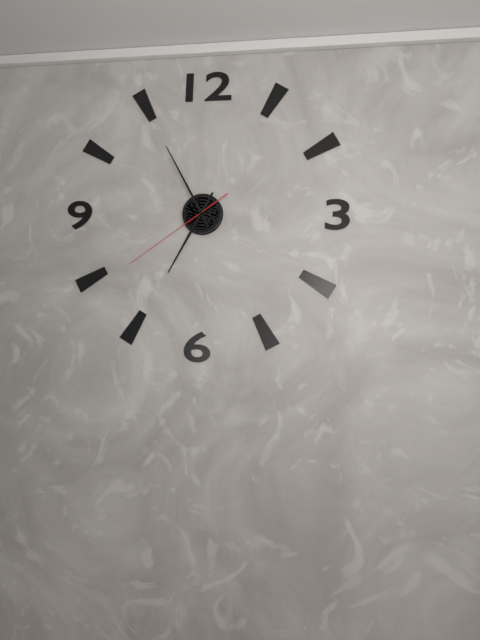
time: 6:55:39
